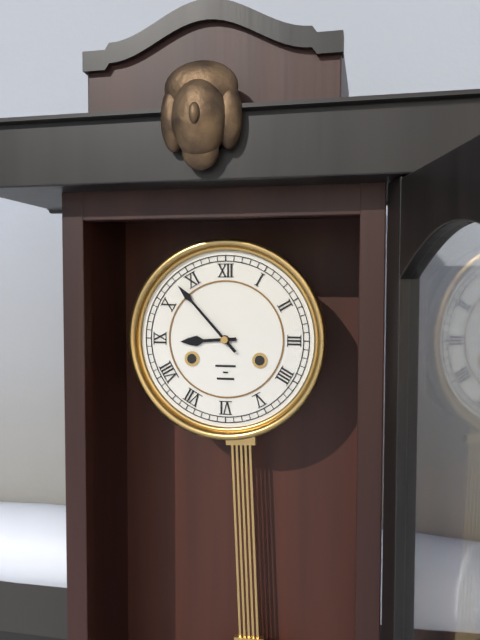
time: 8:53
